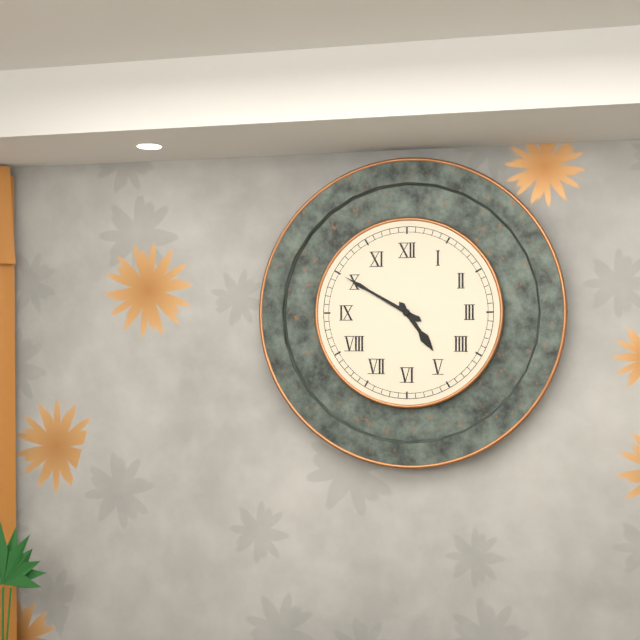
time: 4:50
